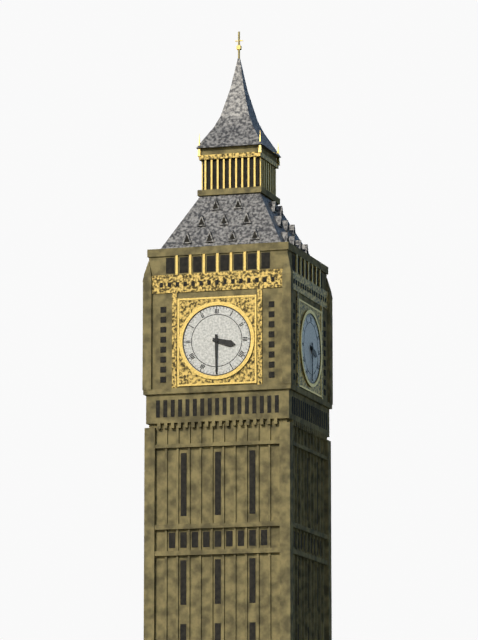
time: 3:30
